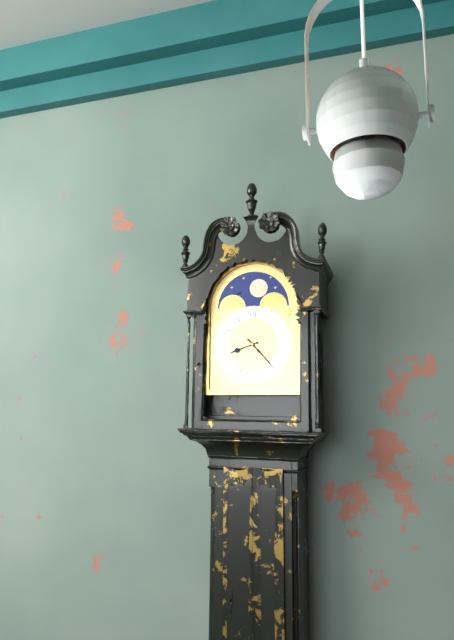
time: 8:23
